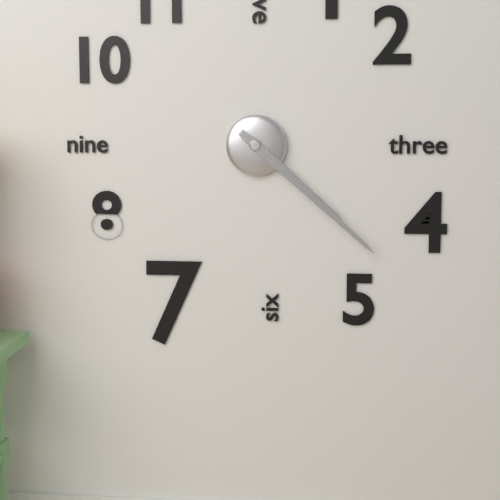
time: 4:22
